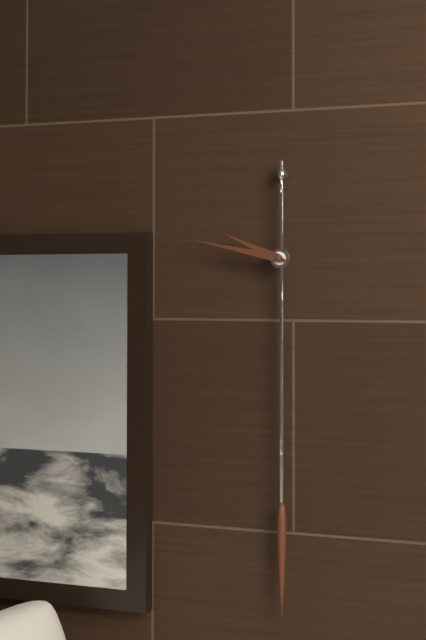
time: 9:47
